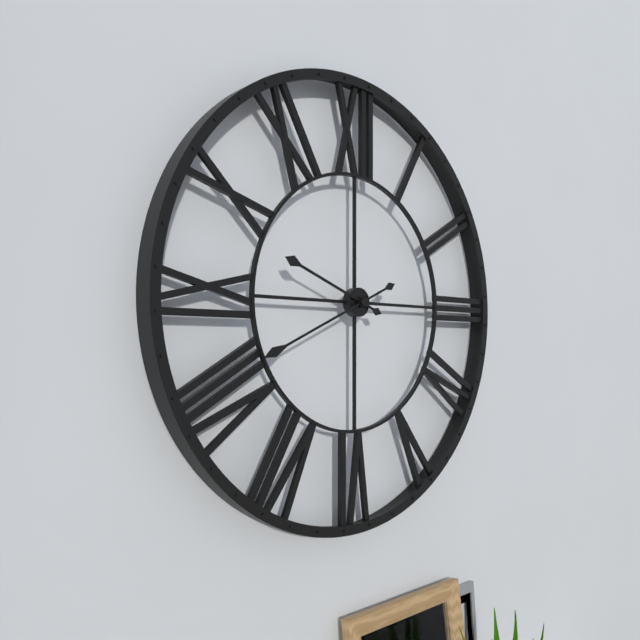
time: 9:41
